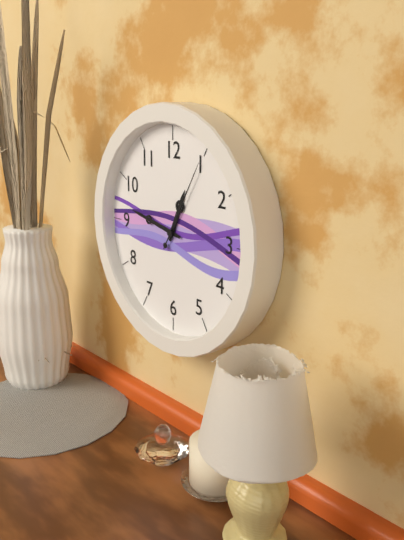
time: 12:47:05
